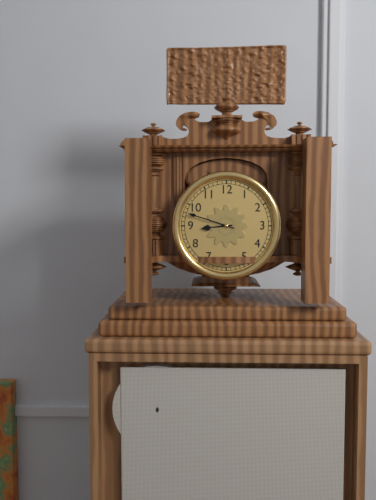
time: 8:48
